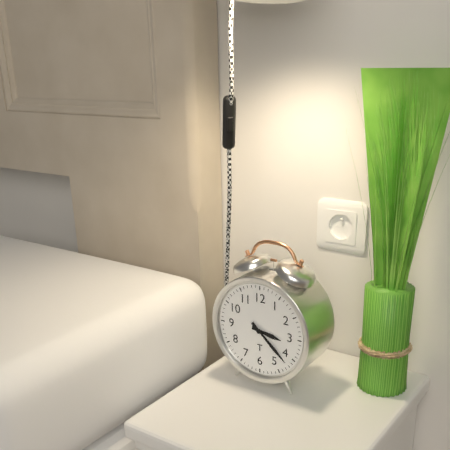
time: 3:22
